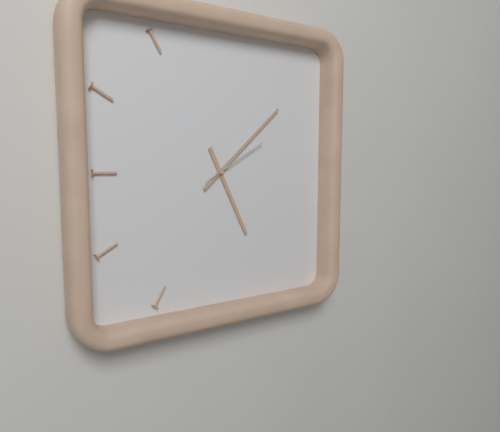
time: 5:08:10
